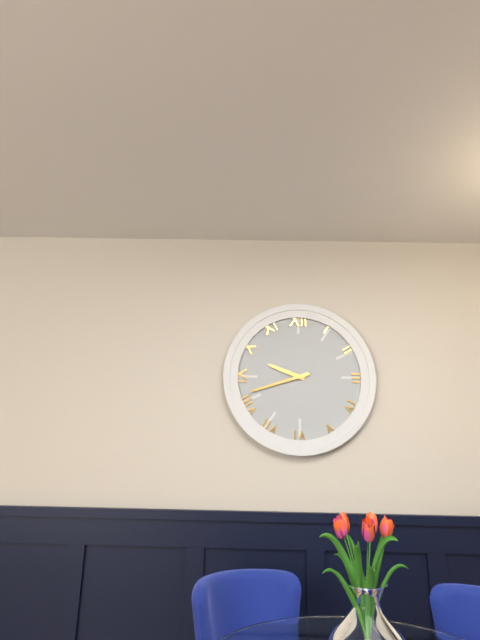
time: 9:42
